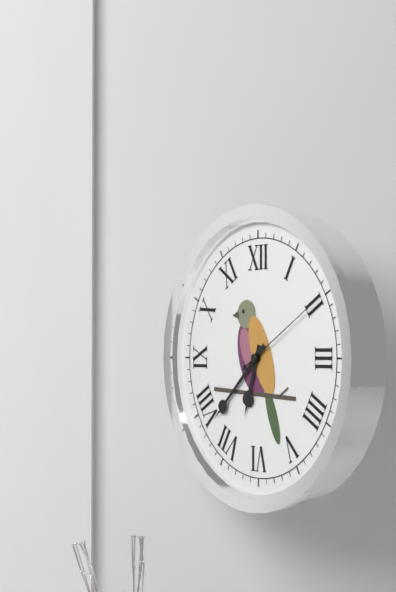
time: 6:38:10
